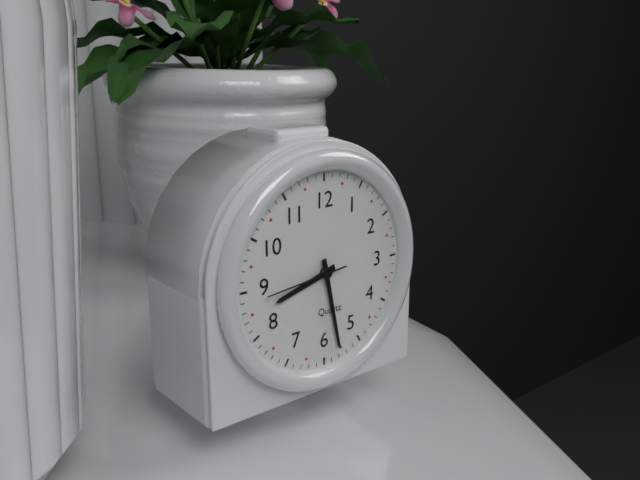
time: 8:28:44
